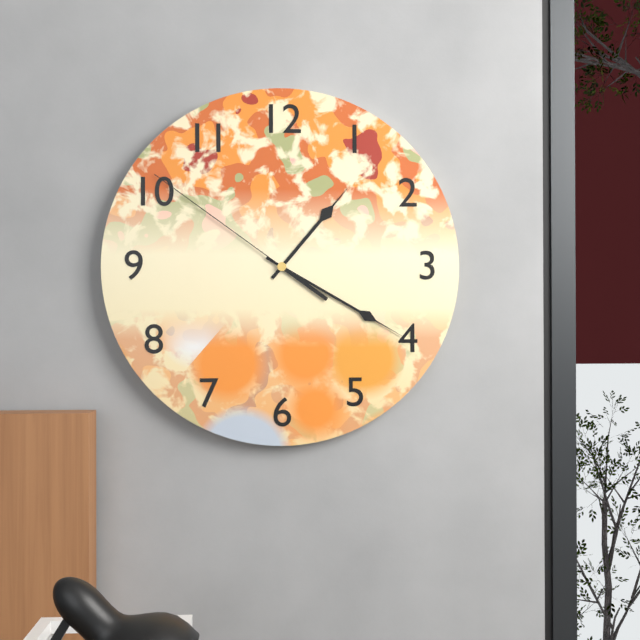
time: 1:20:51
